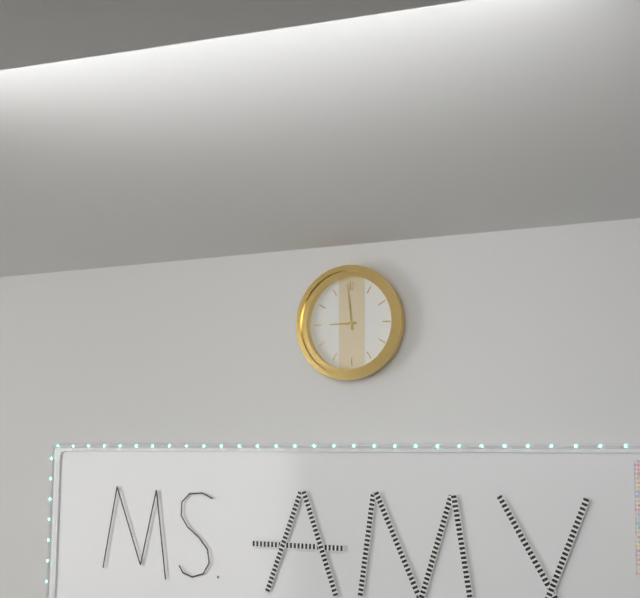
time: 8:59
